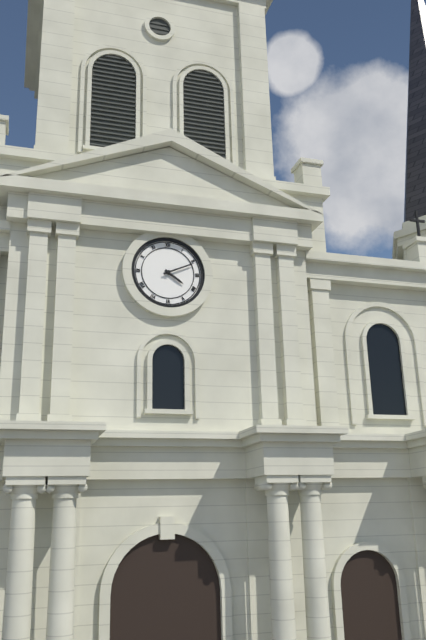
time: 4:11
